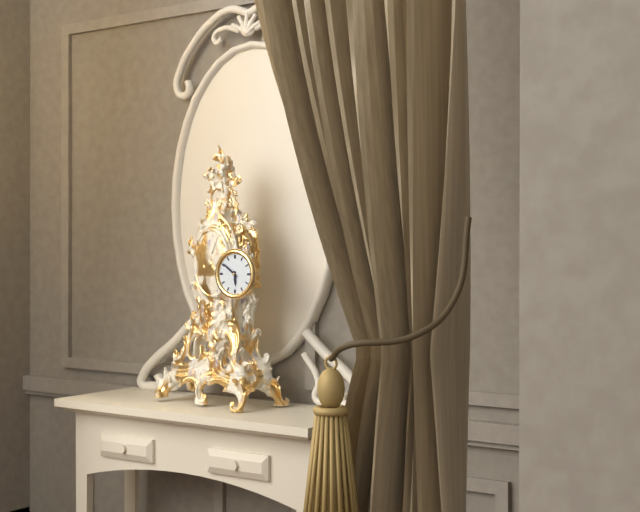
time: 5:51
